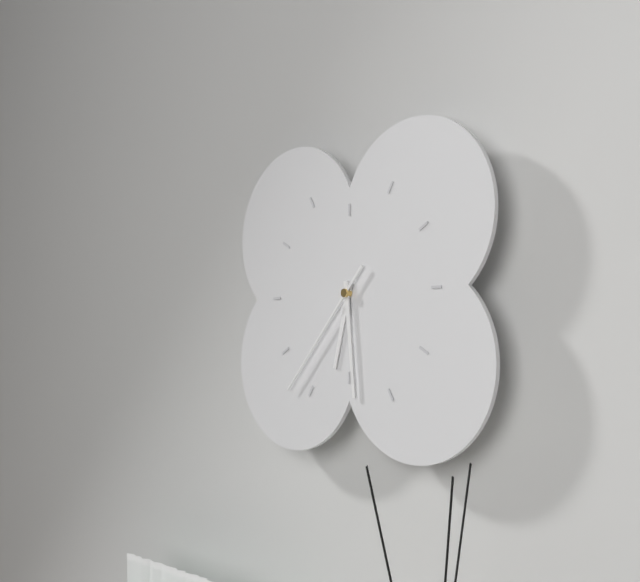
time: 6:29:37
